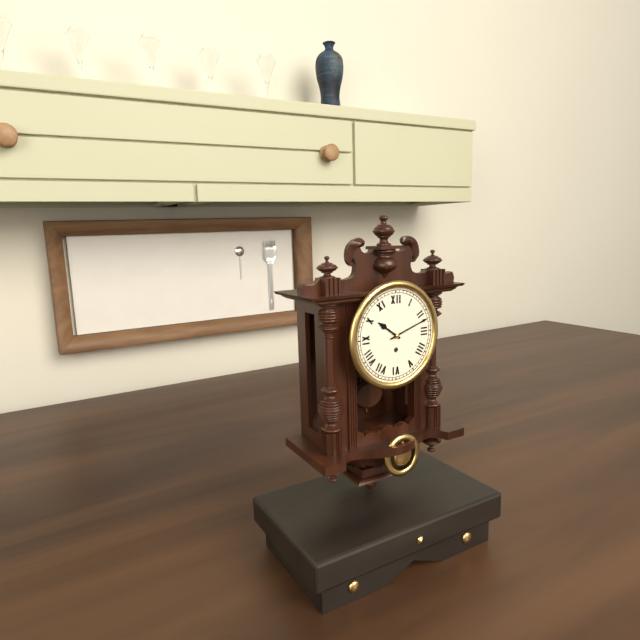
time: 10:12
